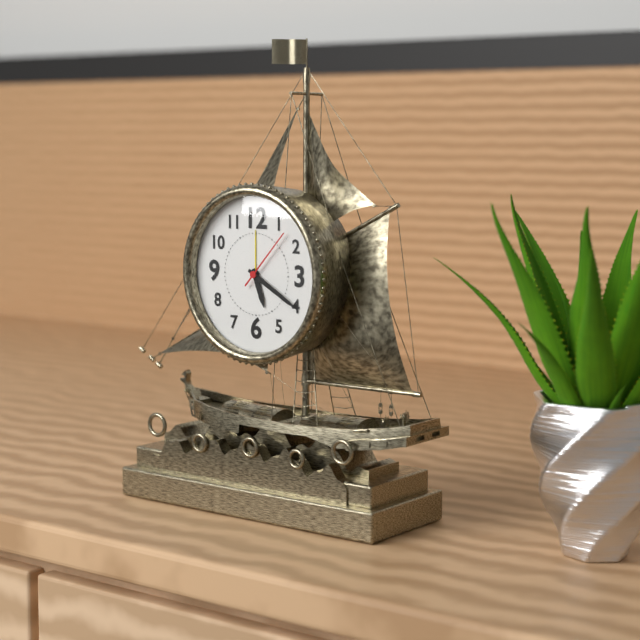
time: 5:20:07
